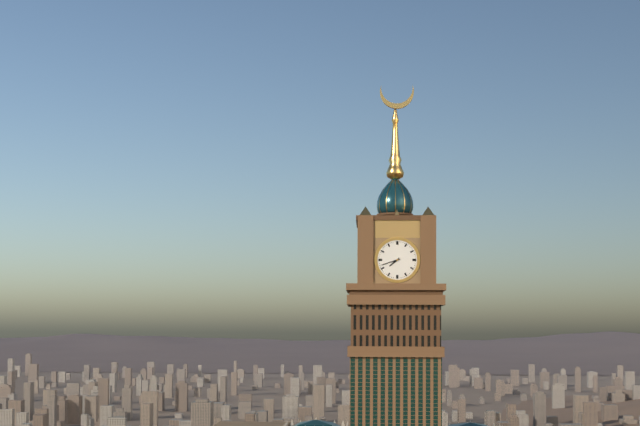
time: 7:42
